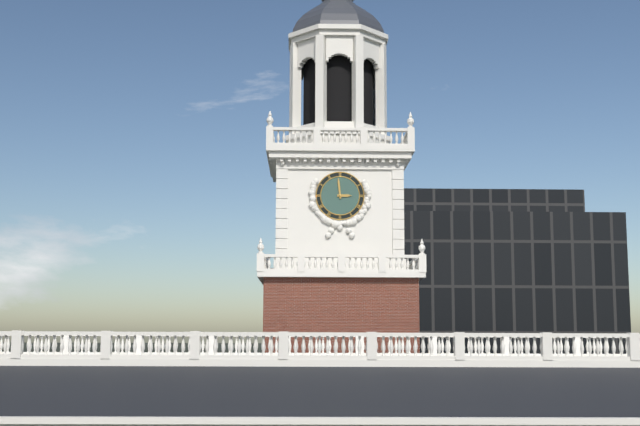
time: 2:59
